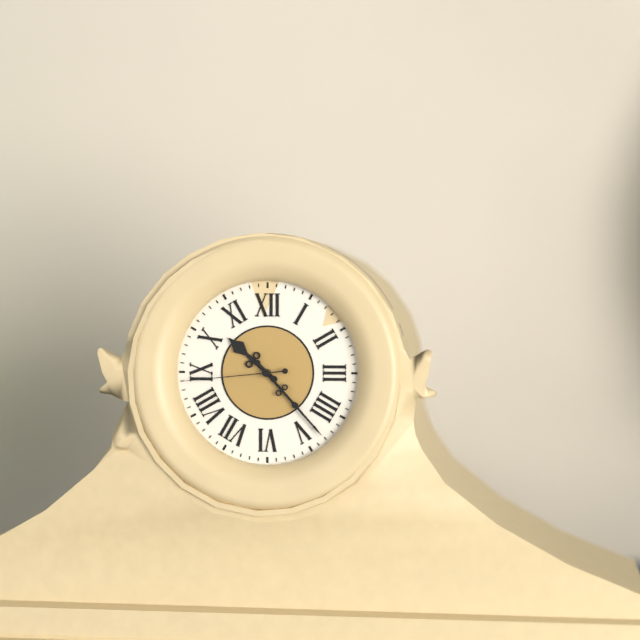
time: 10:23:44
